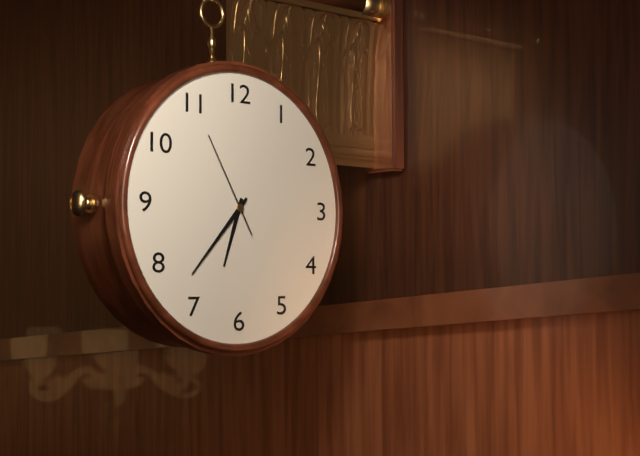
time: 6:37:55
